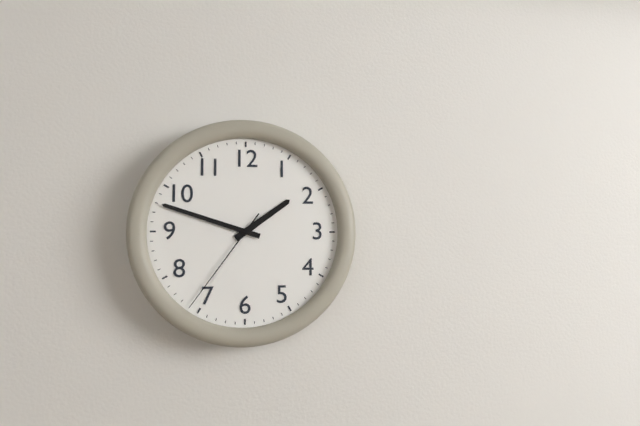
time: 1:48:36
